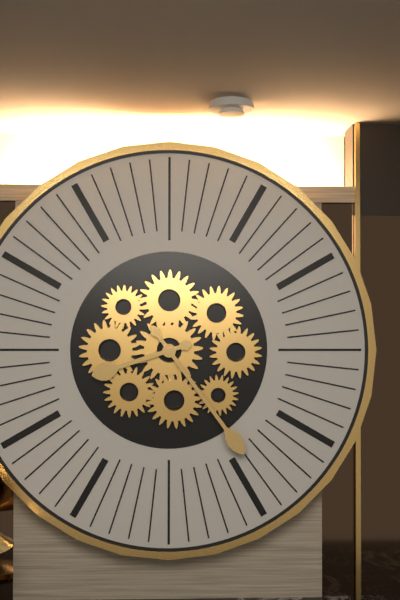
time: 8:24
